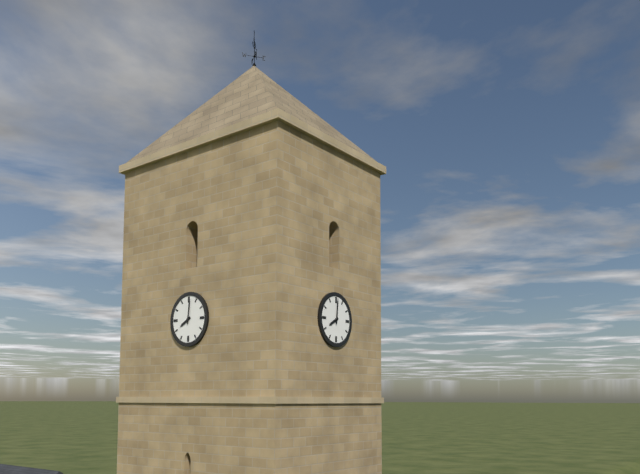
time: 8:01
